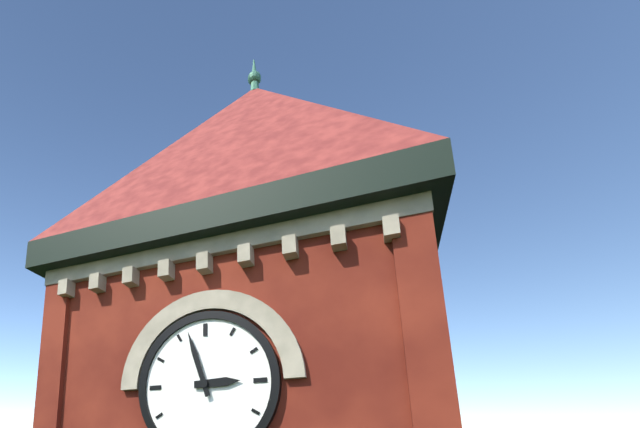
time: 2:57
